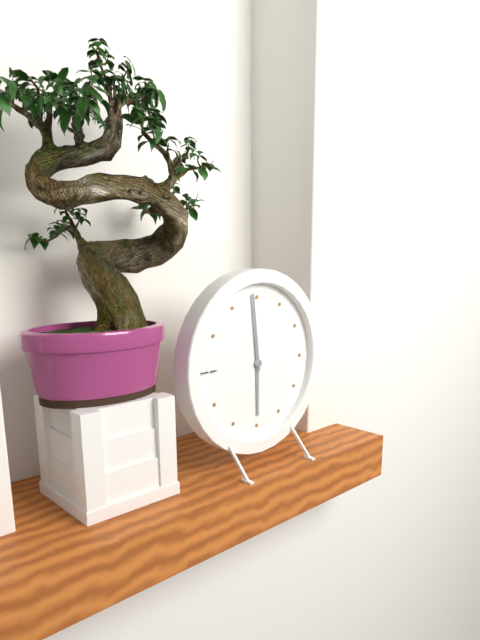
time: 5:59
